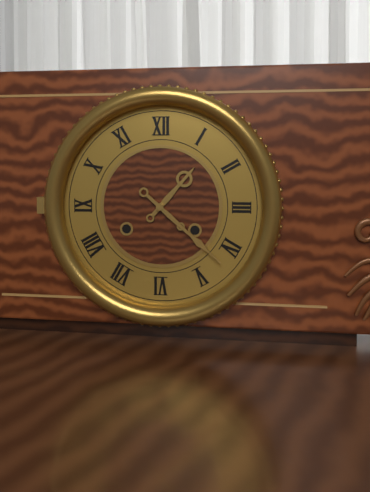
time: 1:22
